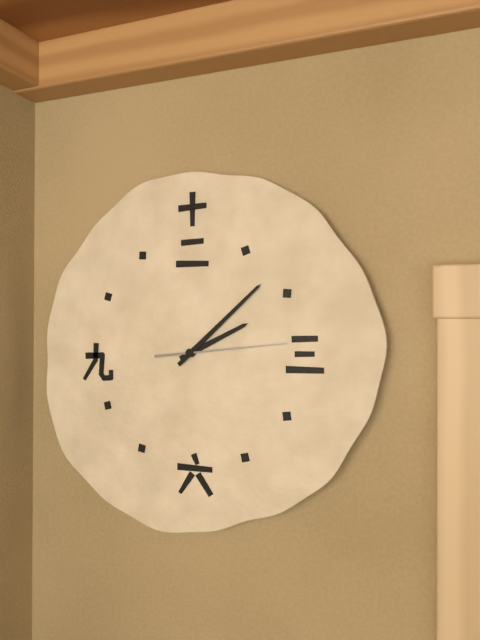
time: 2:08:14
